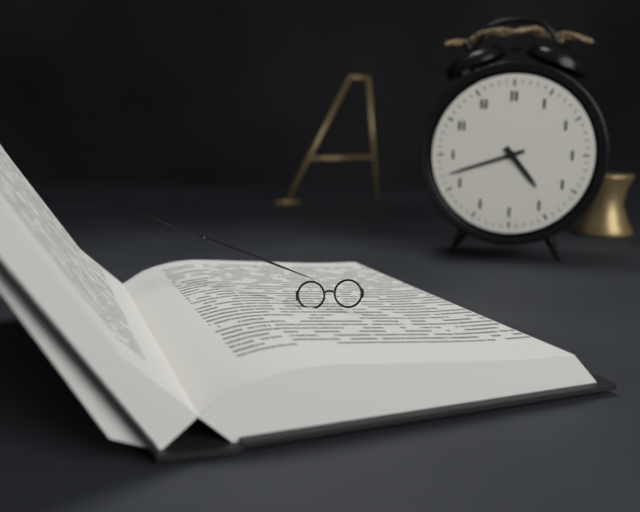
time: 4:42
